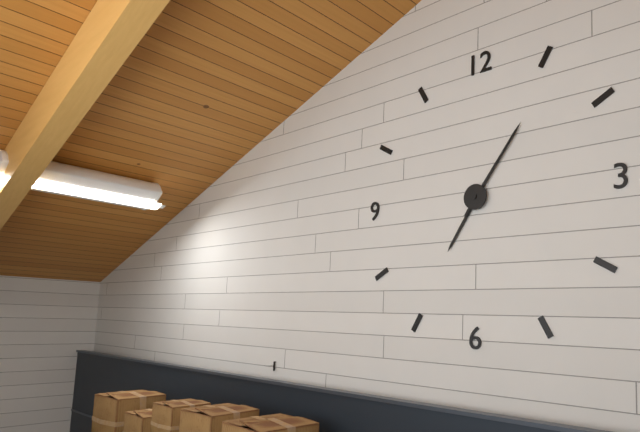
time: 7:06
